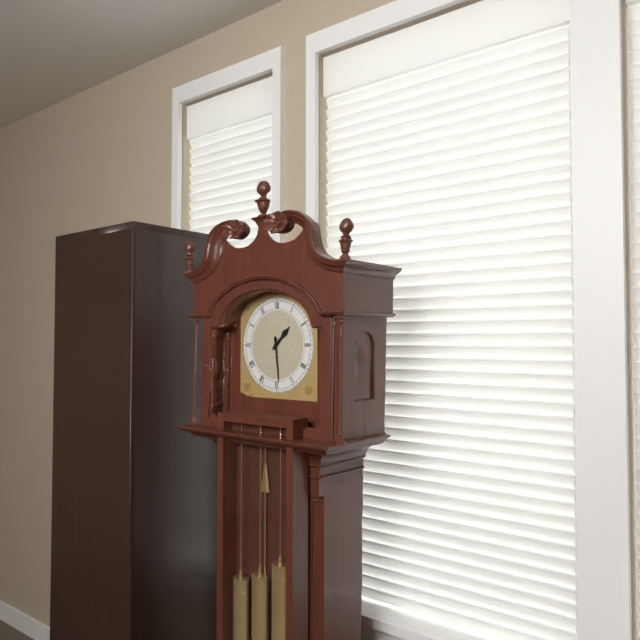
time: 1:29
